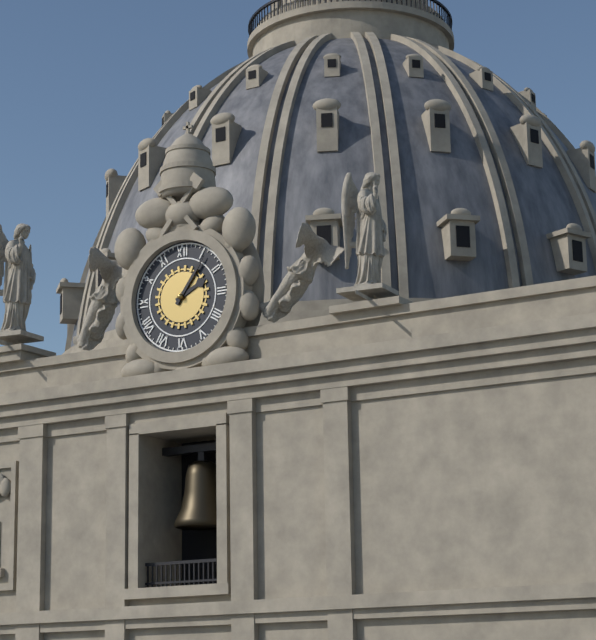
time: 2:06
